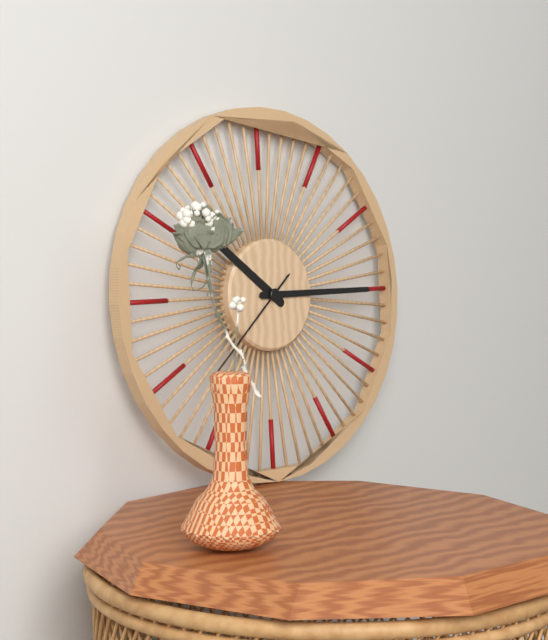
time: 10:15:38
